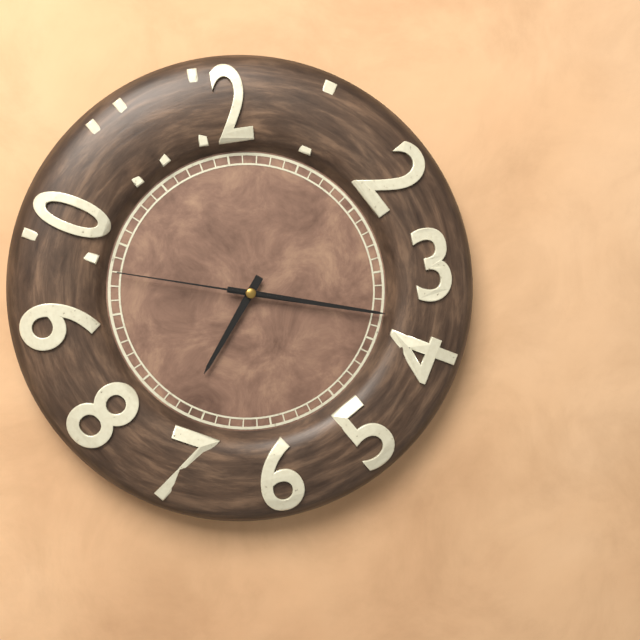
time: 7:18:48
